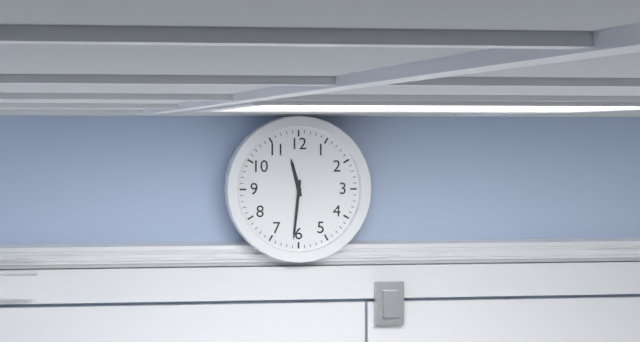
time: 11:31
